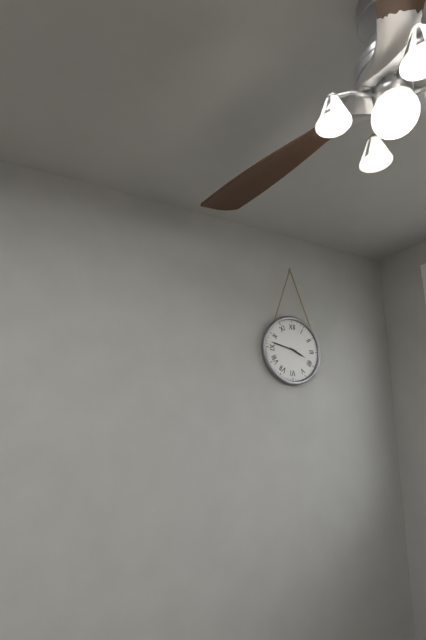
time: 3:47
